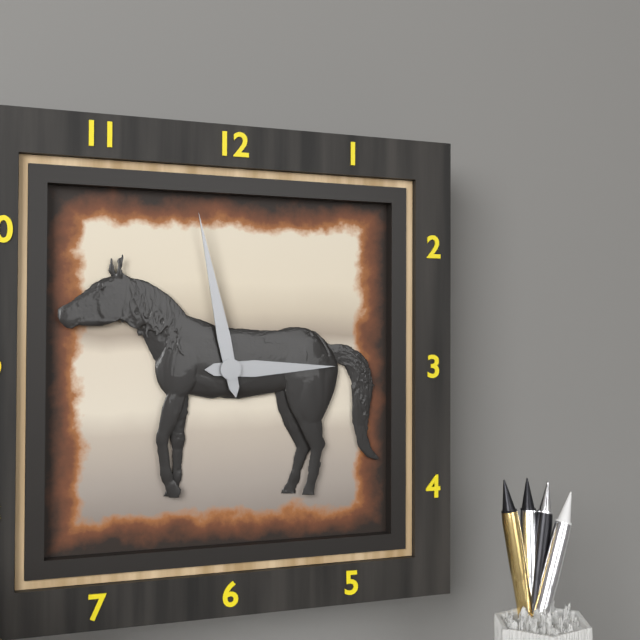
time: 2:58
